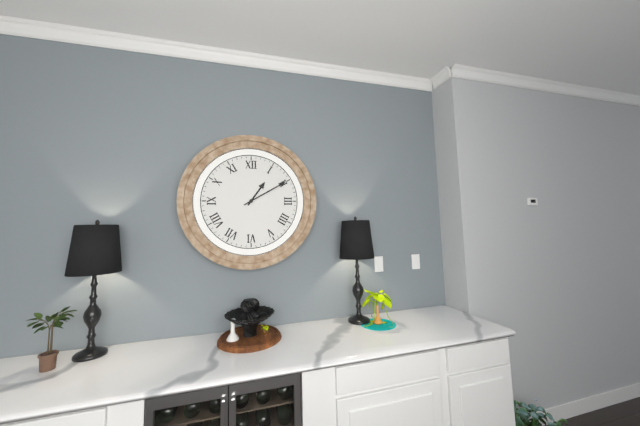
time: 1:10
